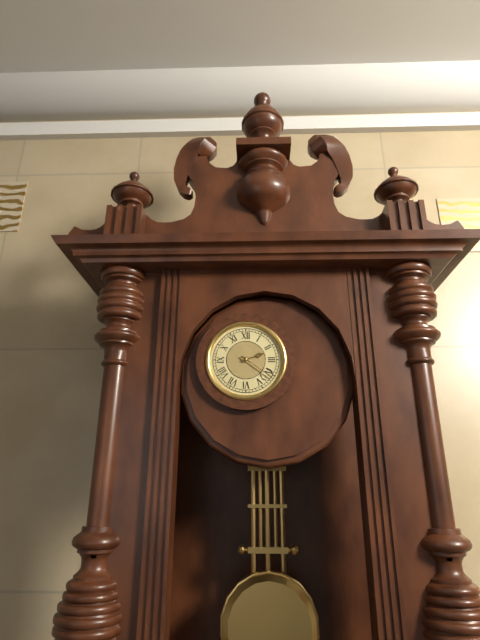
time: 2:21
